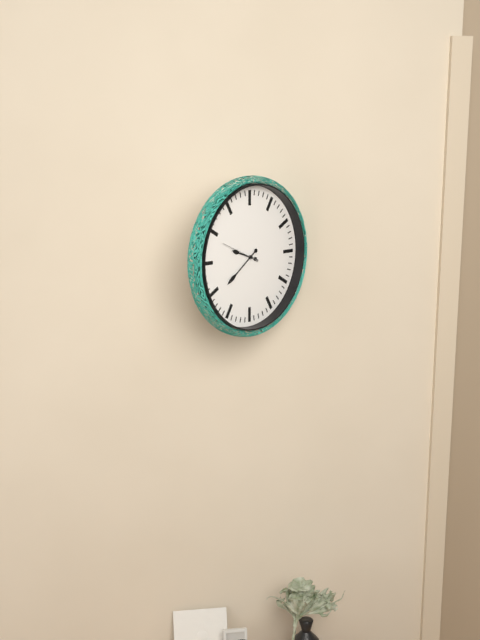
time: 9:39
